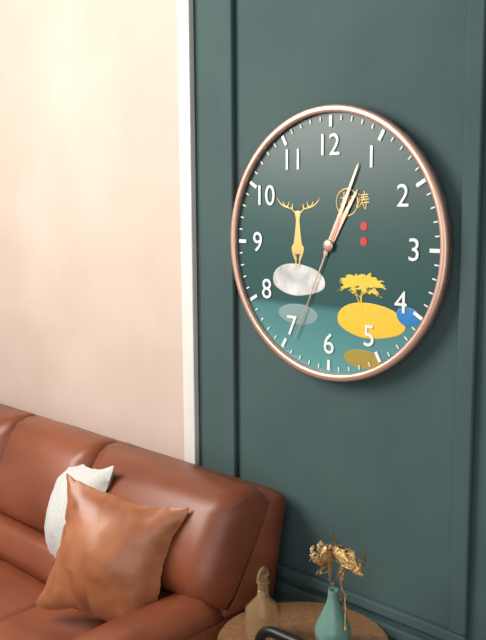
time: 1:04:34
